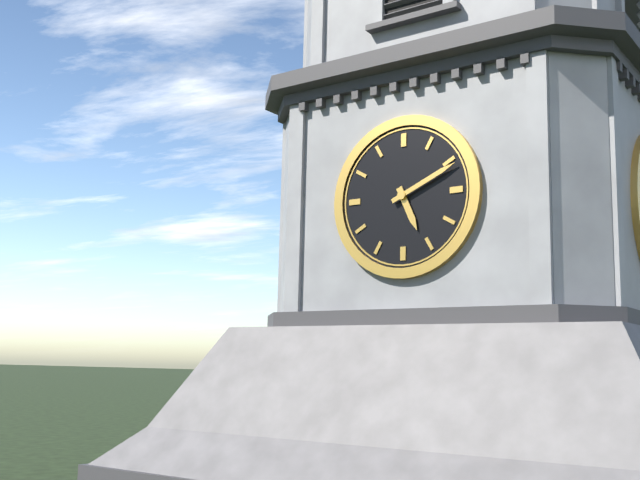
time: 5:11
